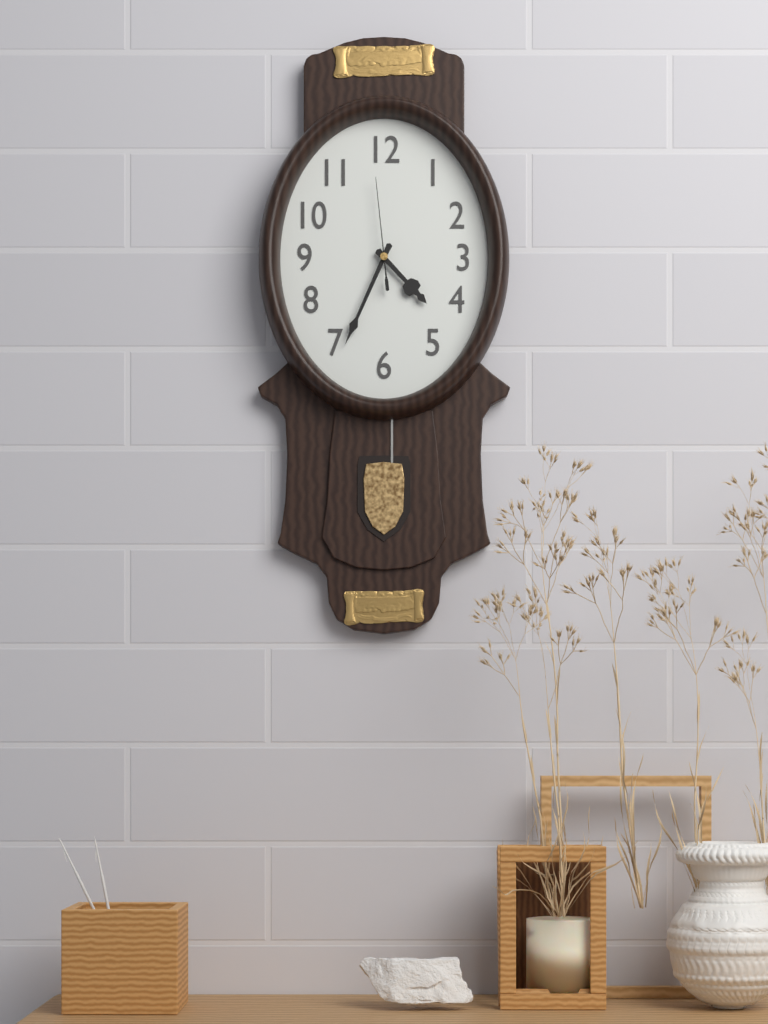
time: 4:34:59
